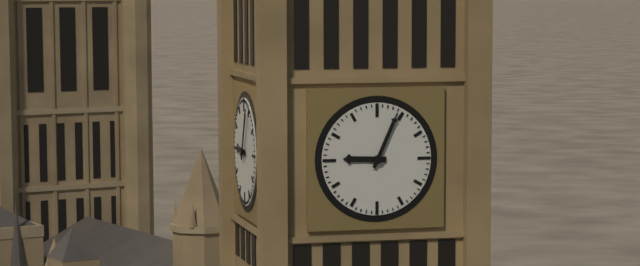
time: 9:04
